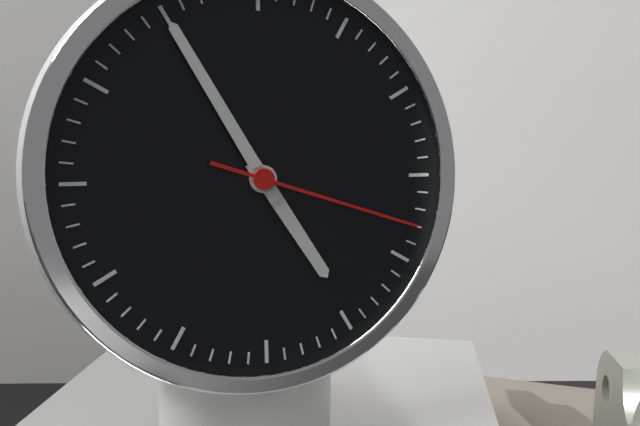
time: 4:55:18
